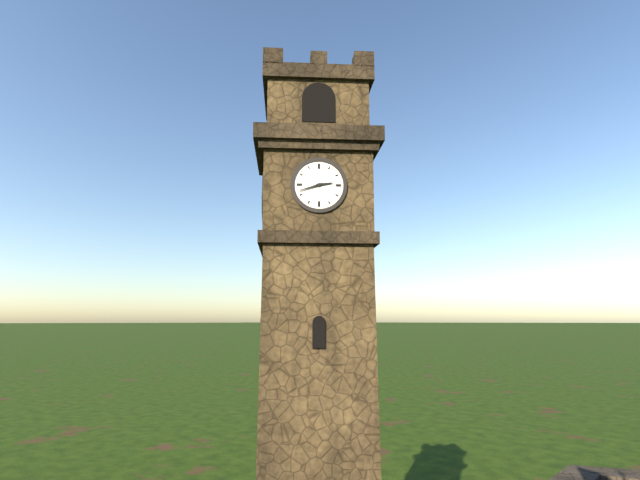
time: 2:42
